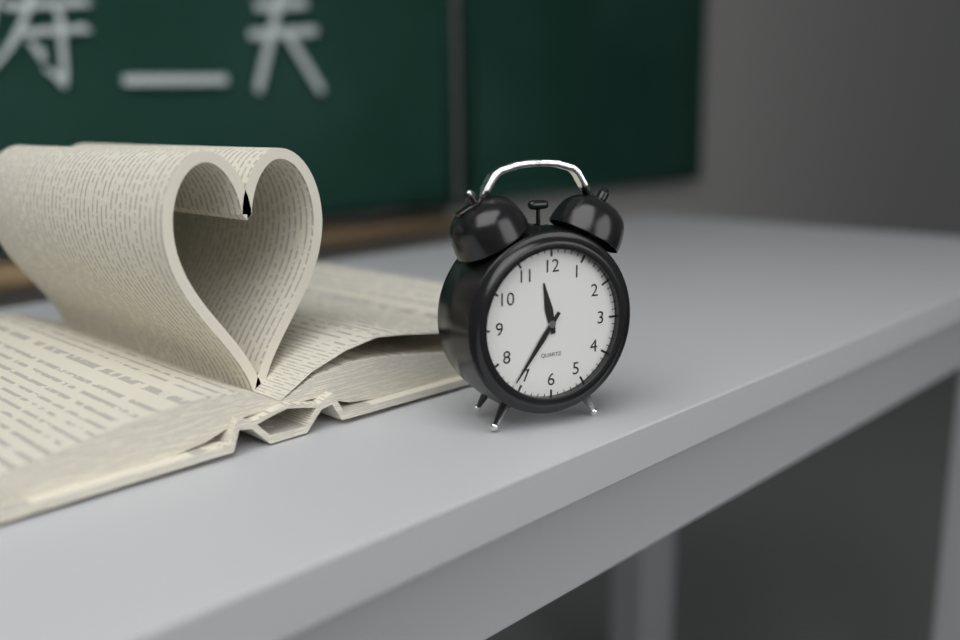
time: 11:36
